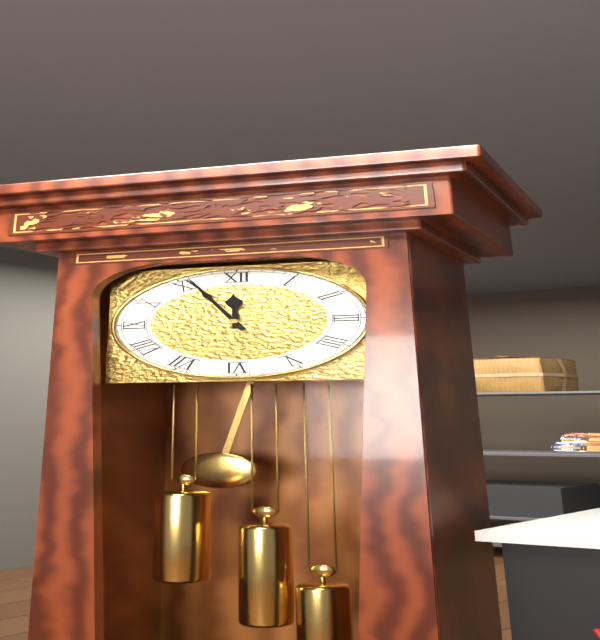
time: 11:56
